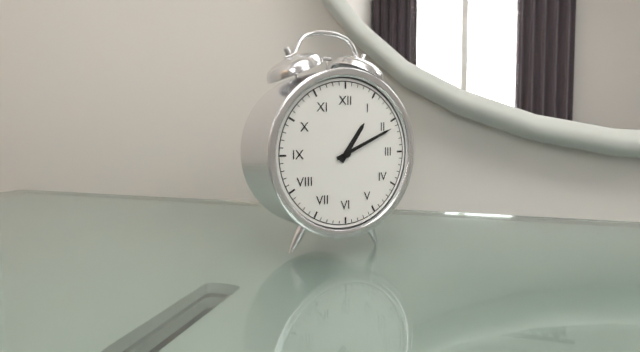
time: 1:11
